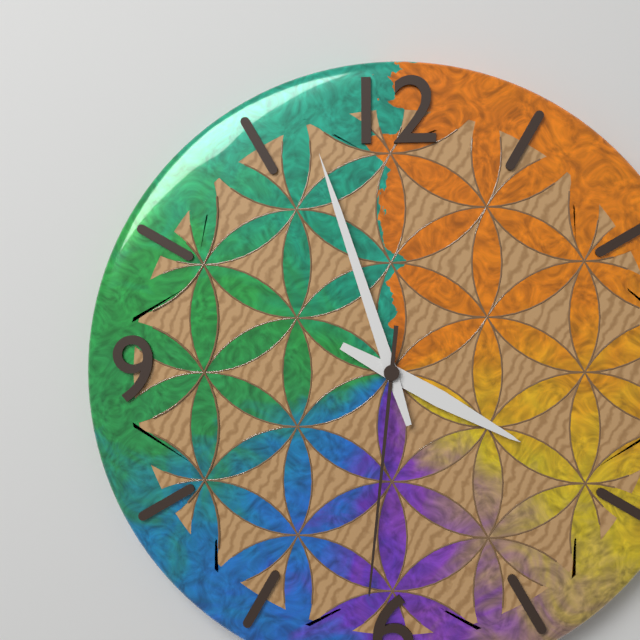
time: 3:57:31
